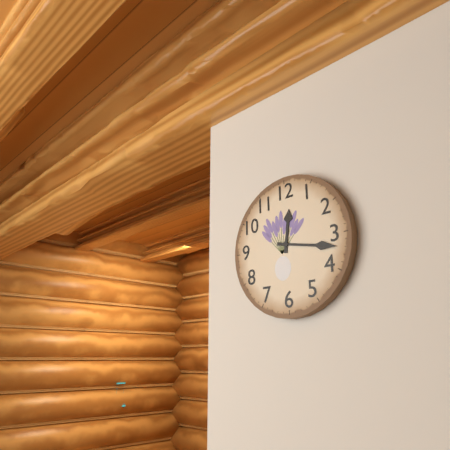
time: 12:17
